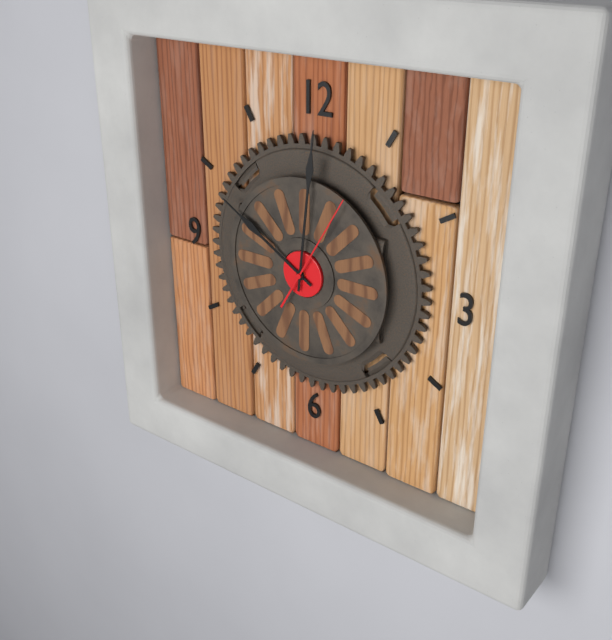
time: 10:01:05
